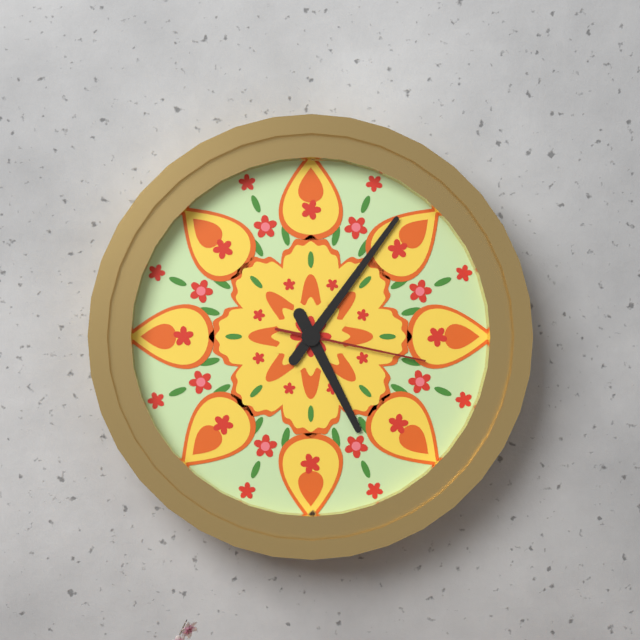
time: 5:06:17
